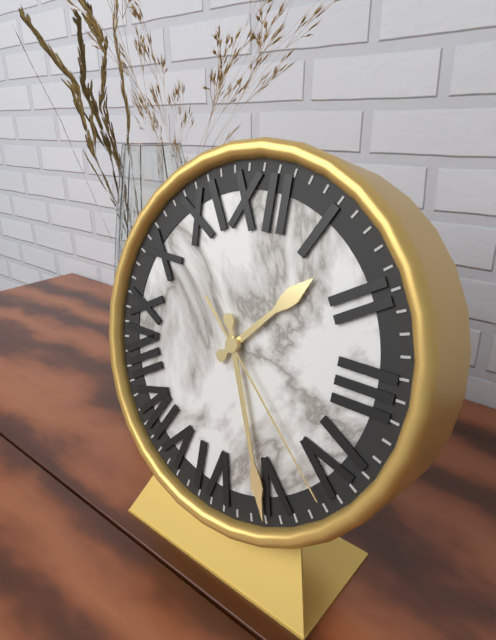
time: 1:26:22
